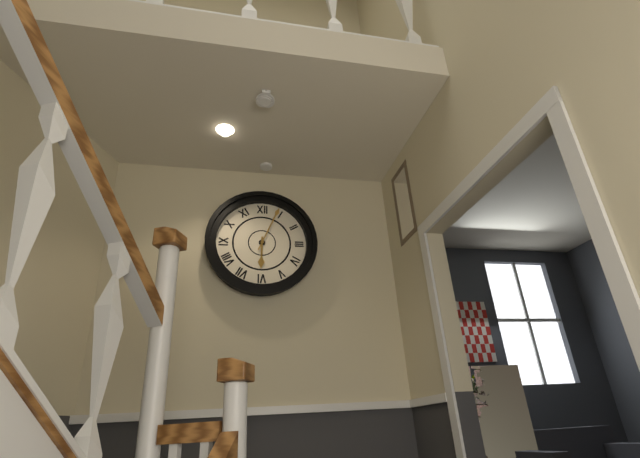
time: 6:04
